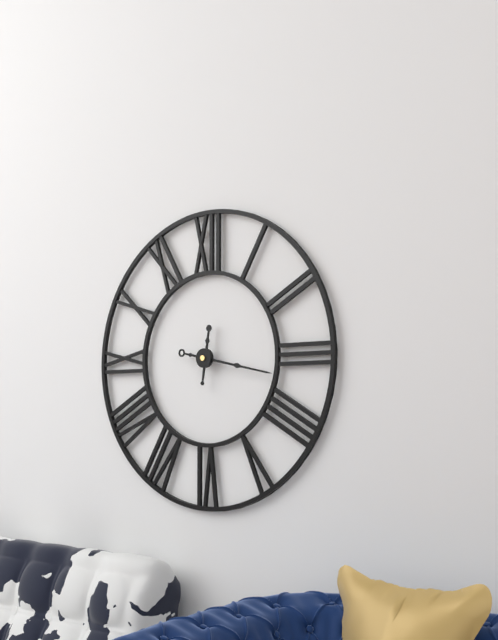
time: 12:17
